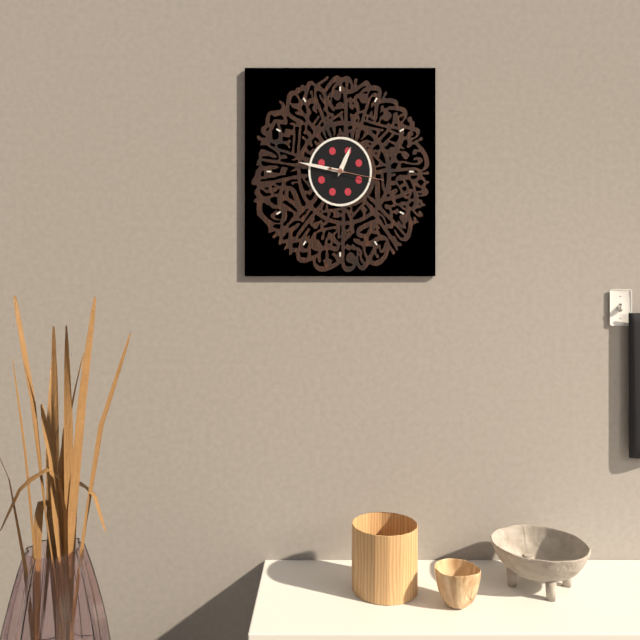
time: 12:47:17
